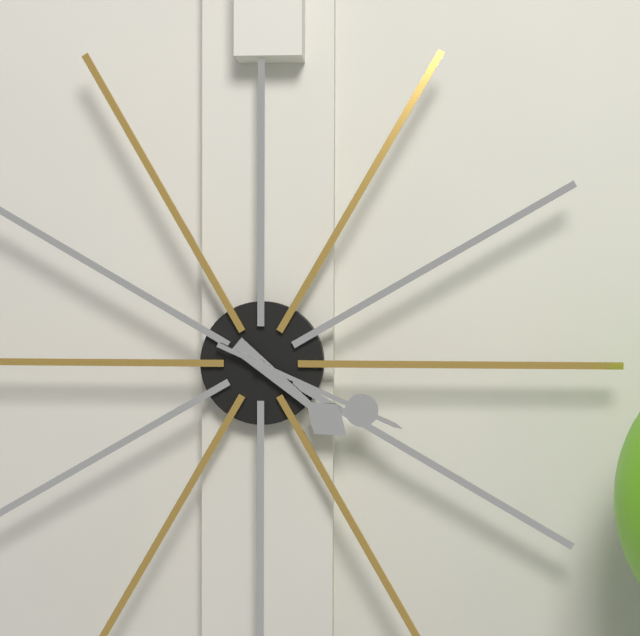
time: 4:19
